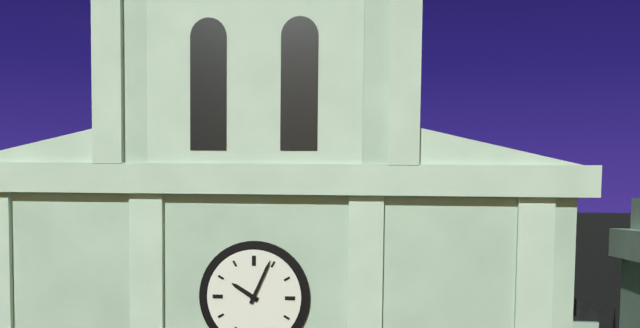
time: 10:04
